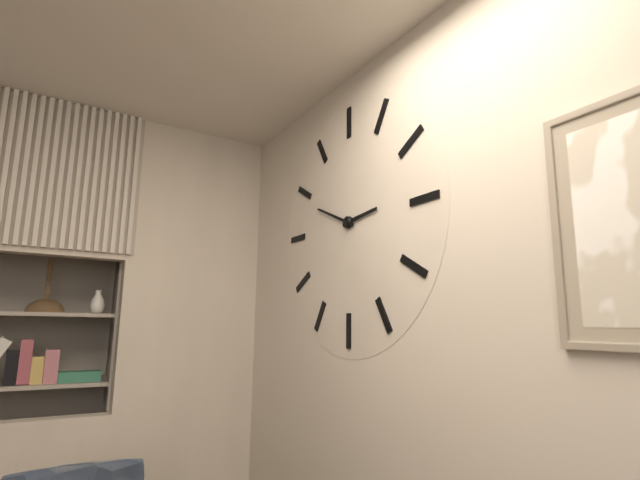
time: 2:49
